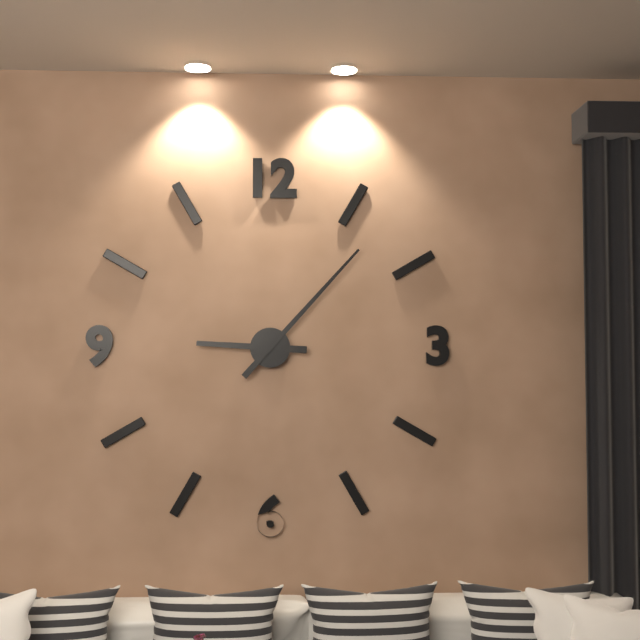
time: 9:07
